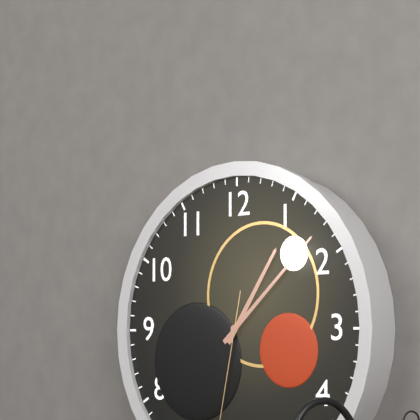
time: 1:08
